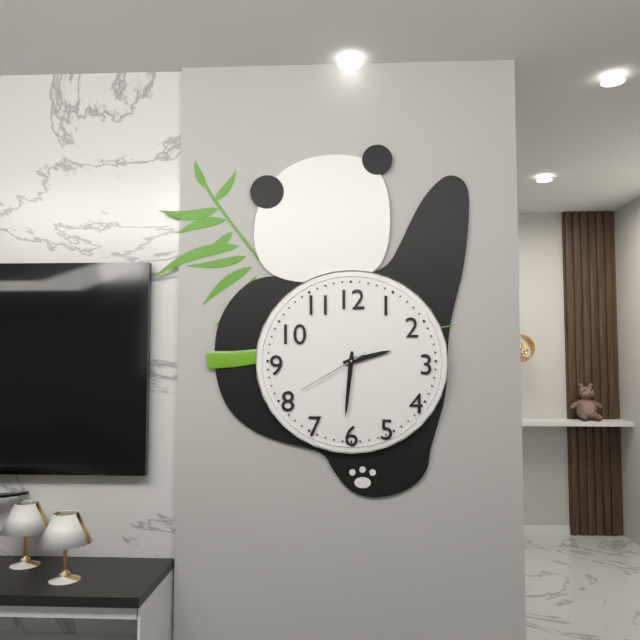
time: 2:31:40
